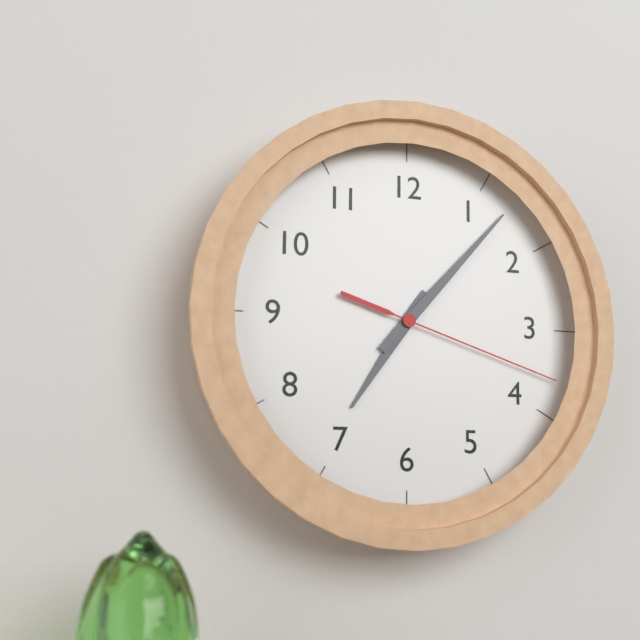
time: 7:07:18
